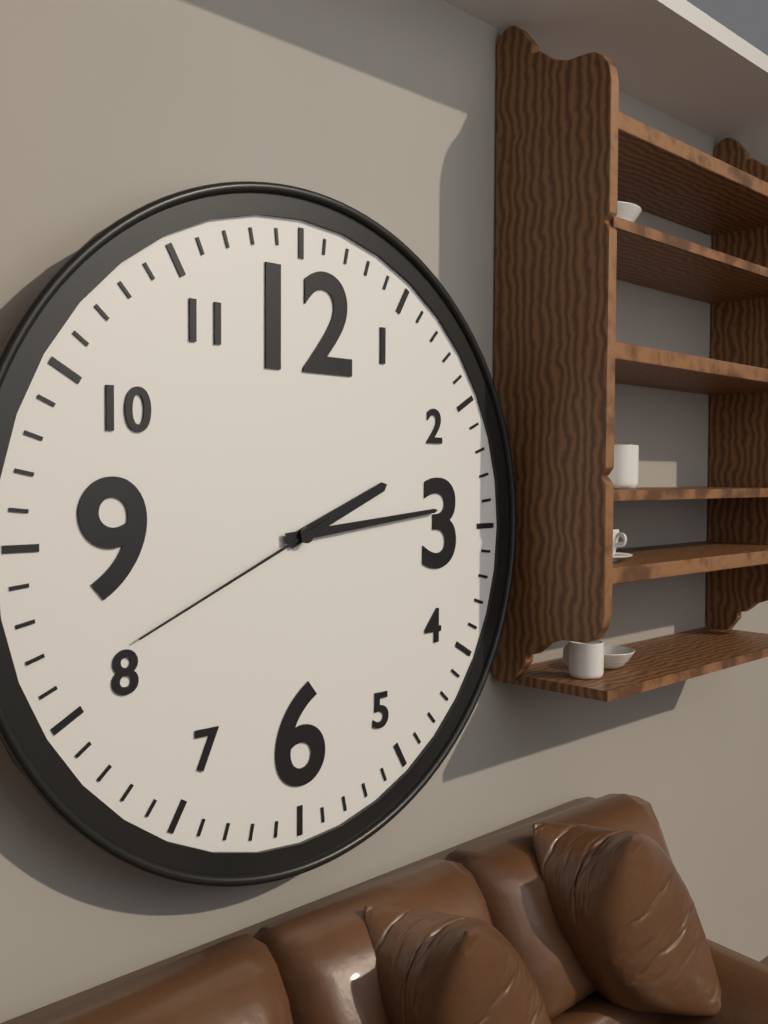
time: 2:14:41
